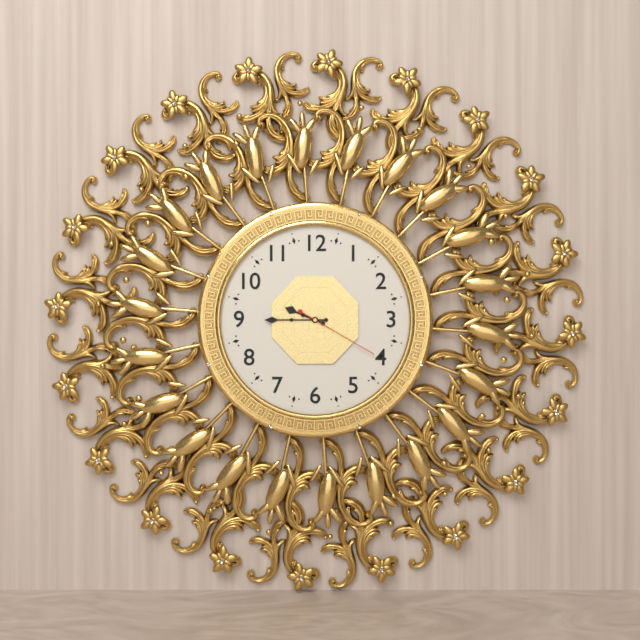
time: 9:45:20
